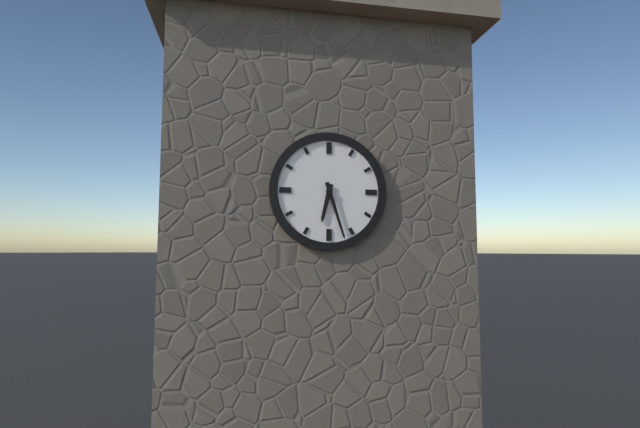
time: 6:27
